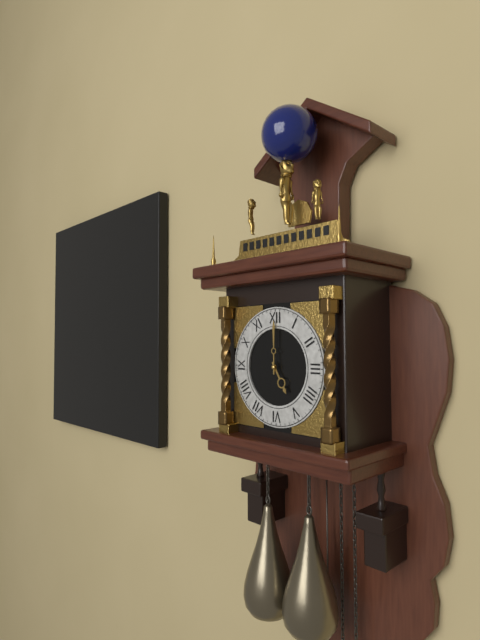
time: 5:00
